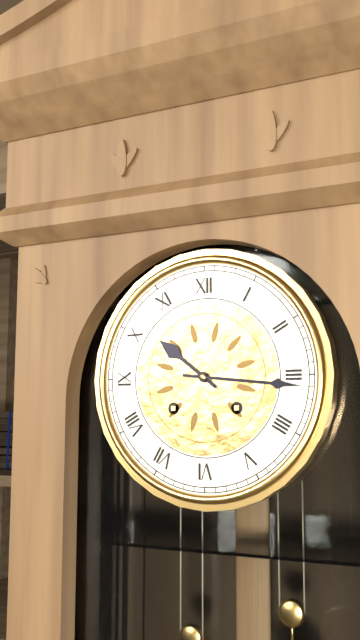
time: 10:16
